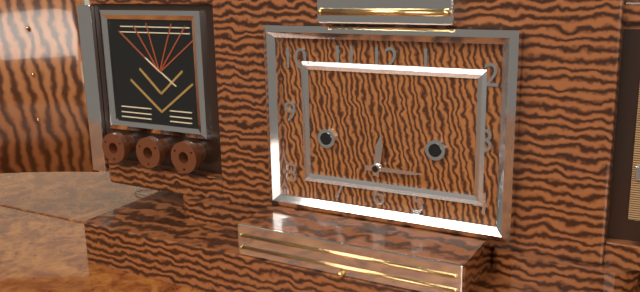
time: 12:15
